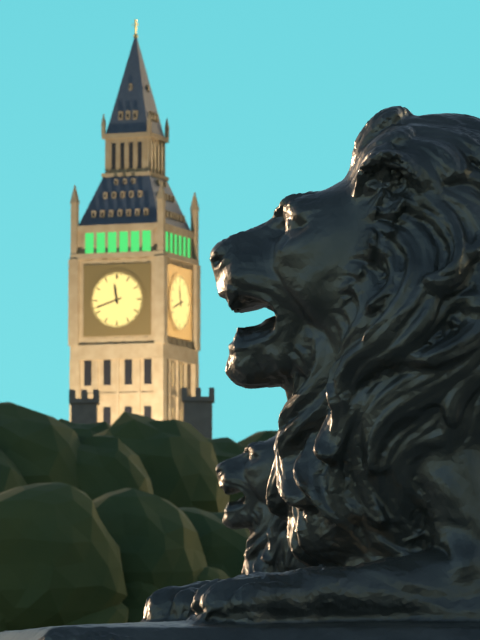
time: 11:42
